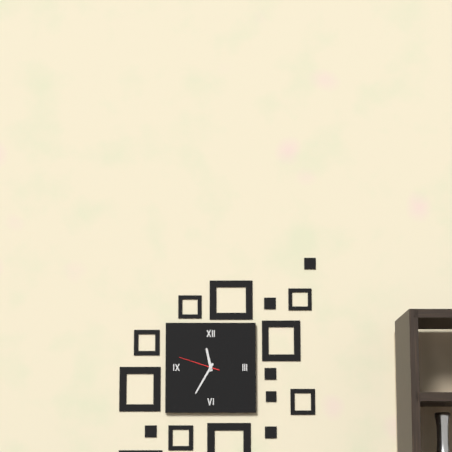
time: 11:35
